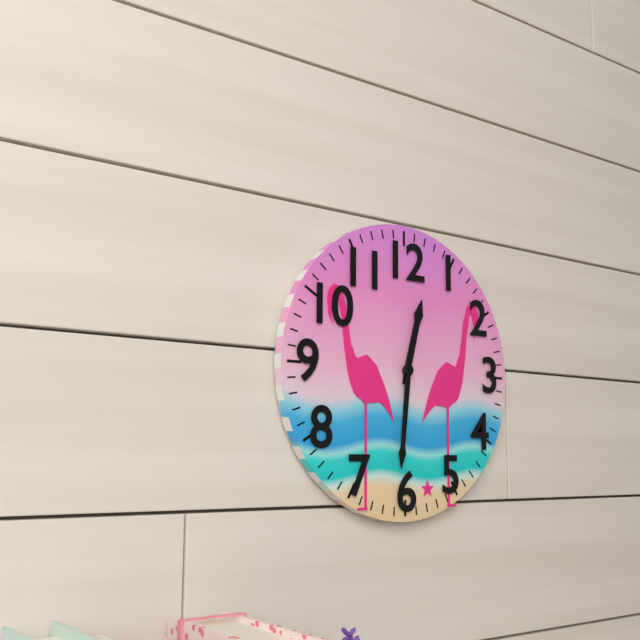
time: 12:31
